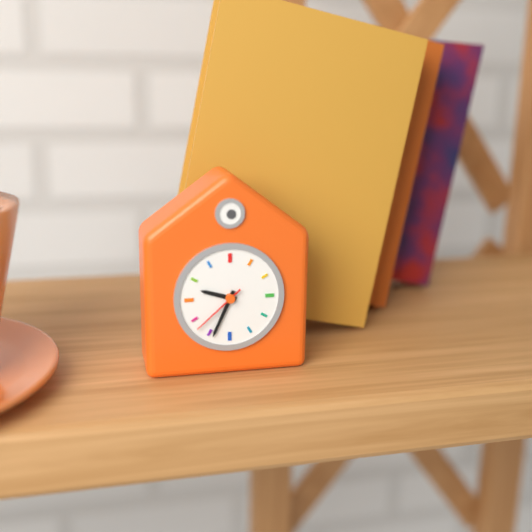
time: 9:34:38
